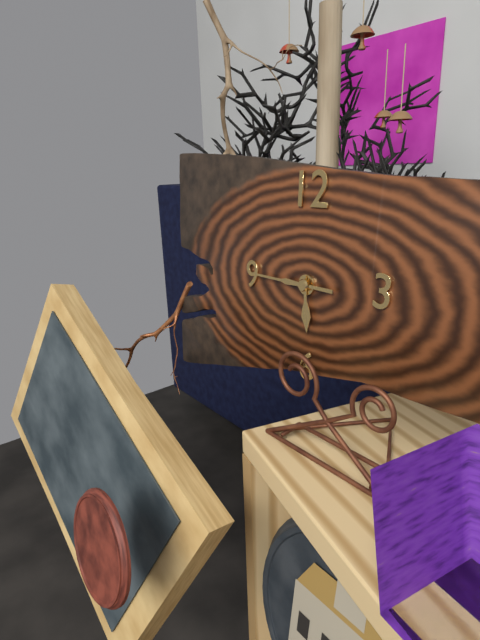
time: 5:45
